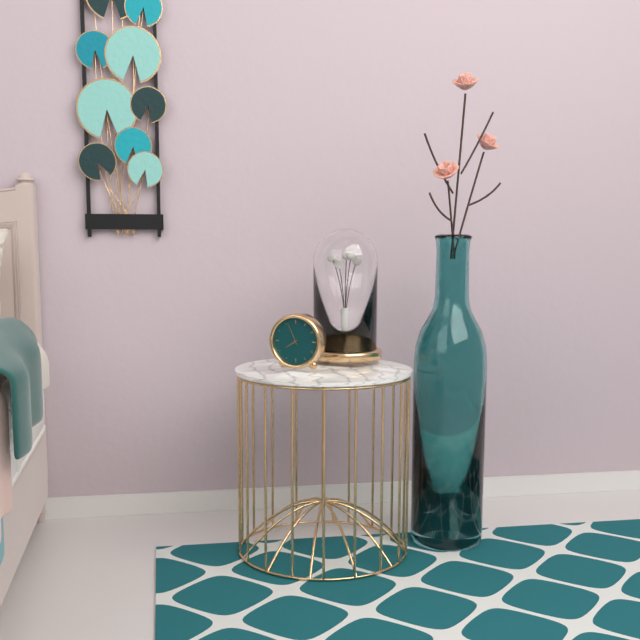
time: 7:56
